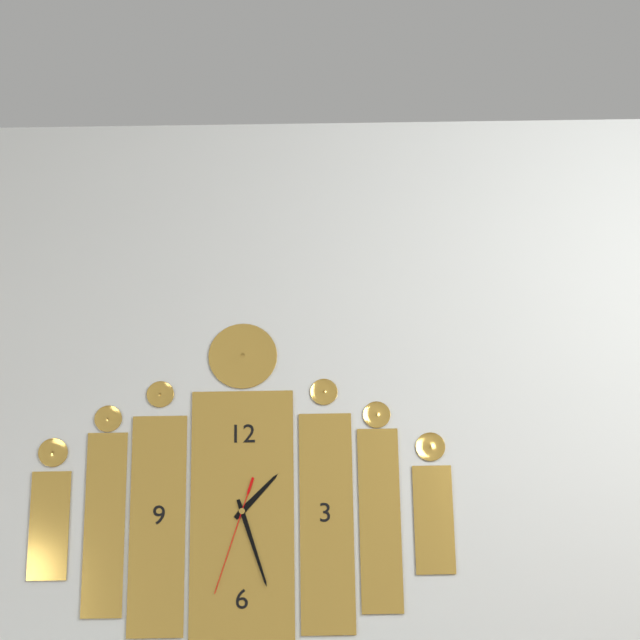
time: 1:27:33
